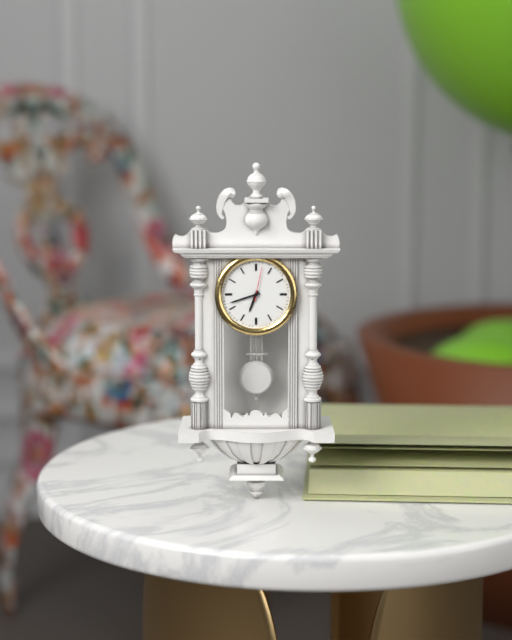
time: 6:42
